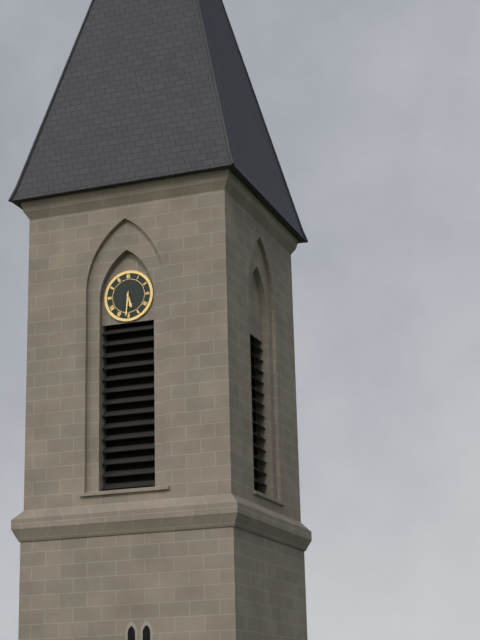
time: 5:31
